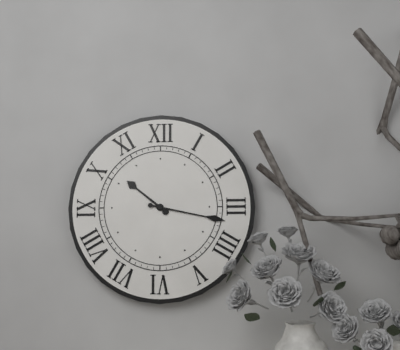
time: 10:17
